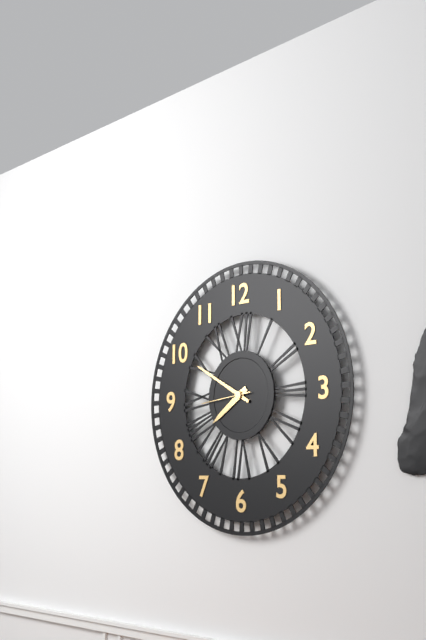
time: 7:50
